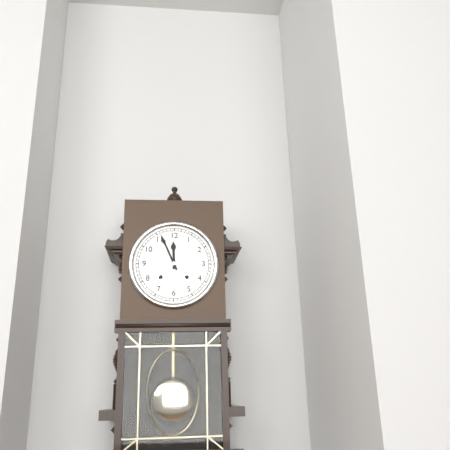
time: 11:56
